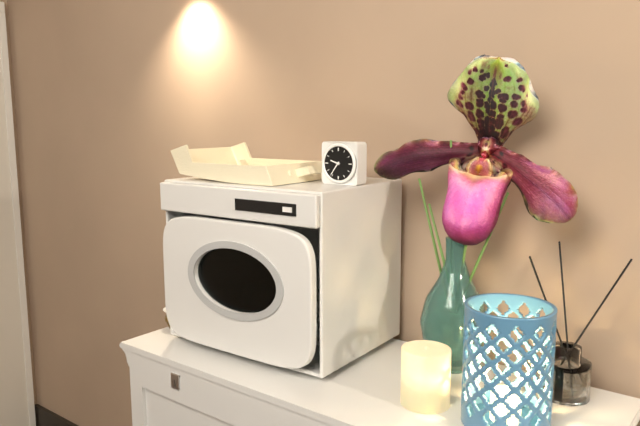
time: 9:36
